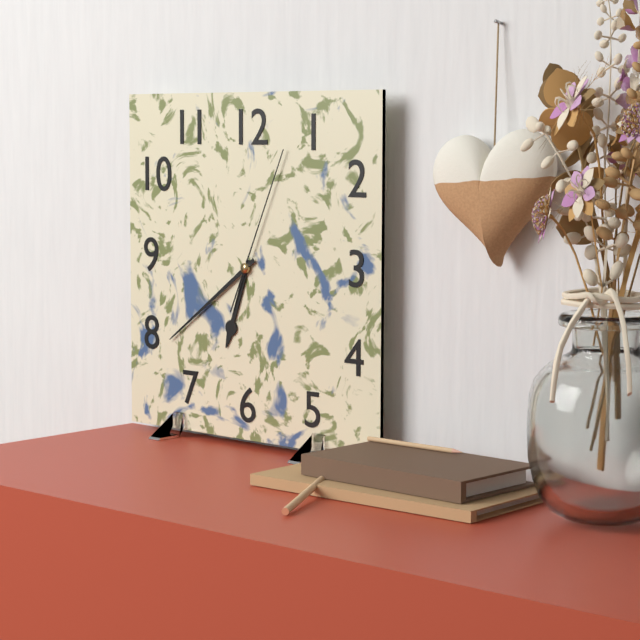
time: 6:39:04
